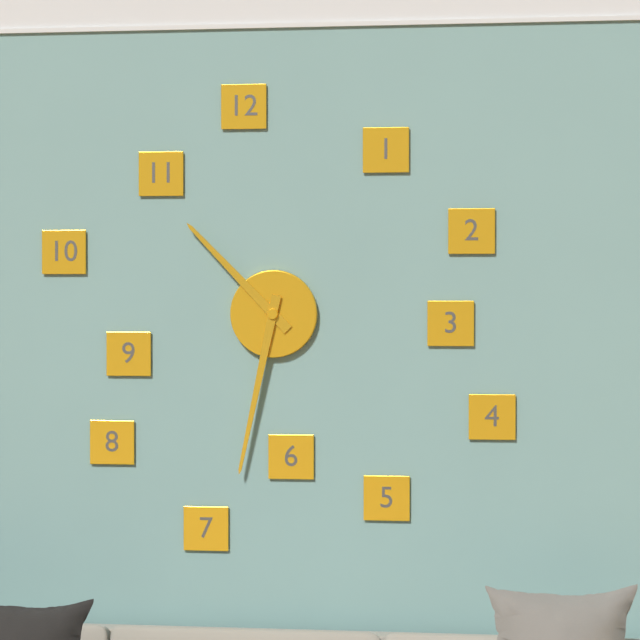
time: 10:32
